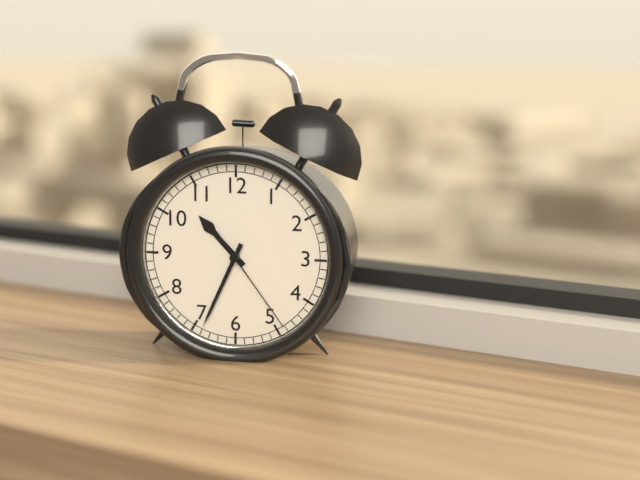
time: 10:34:24
